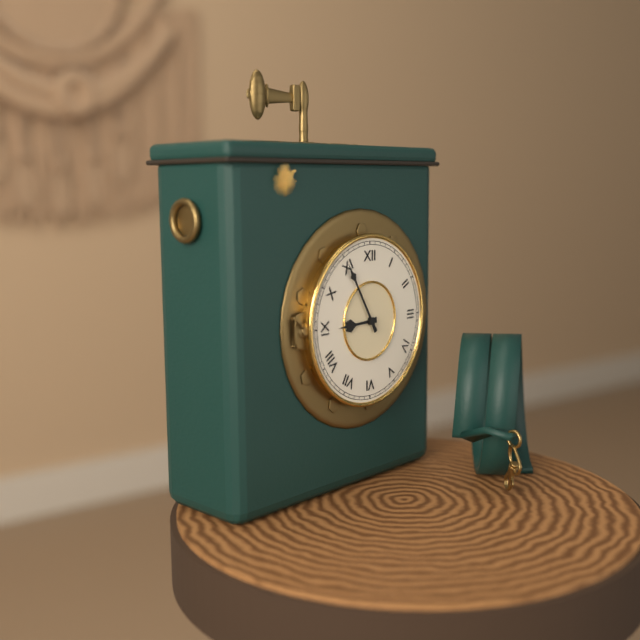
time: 8:55
